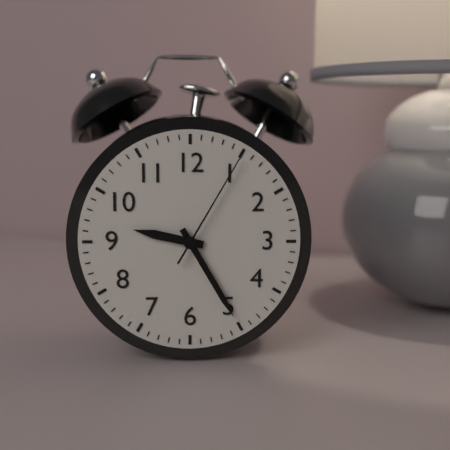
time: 9:25:05
